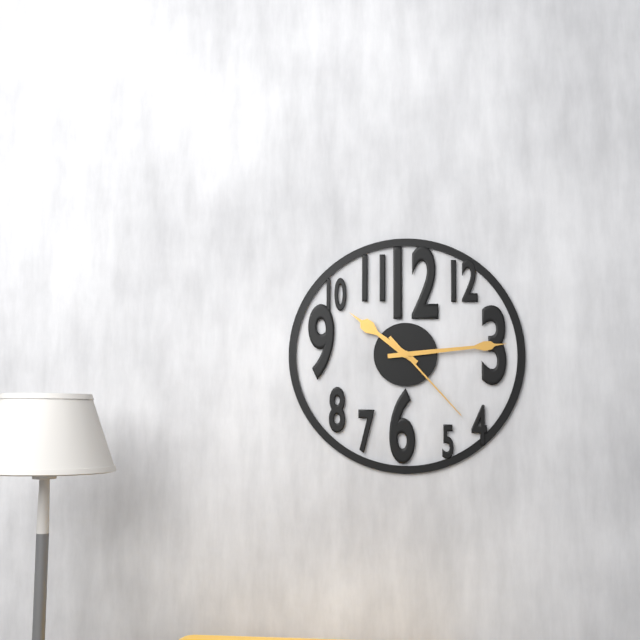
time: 10:14:23
